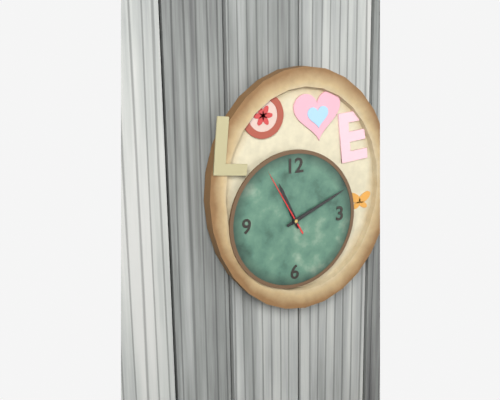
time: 11:11:55
